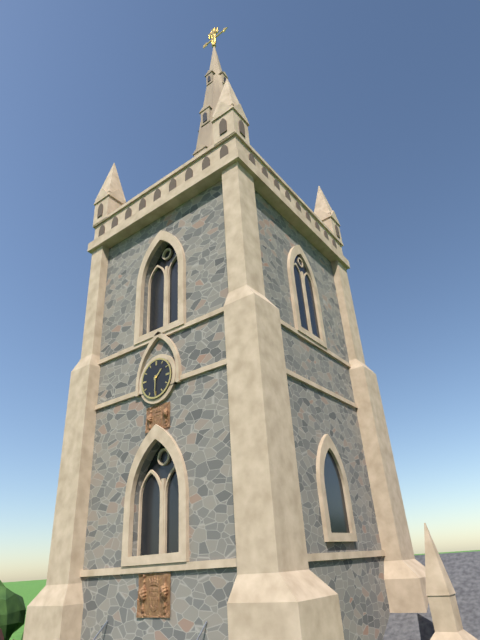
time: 1:30
